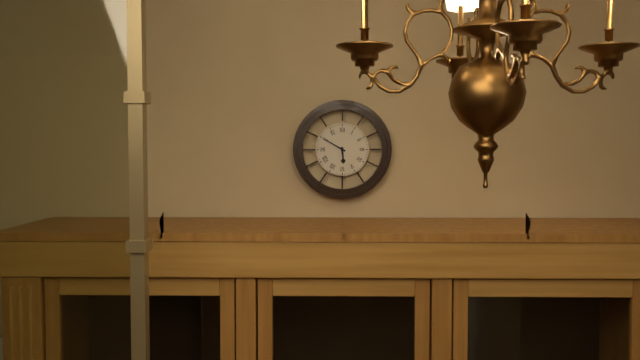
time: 5:50
